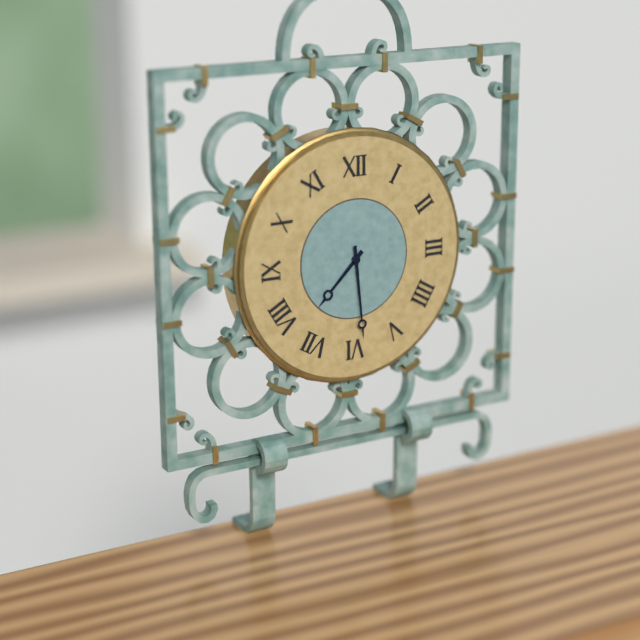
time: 7:29
